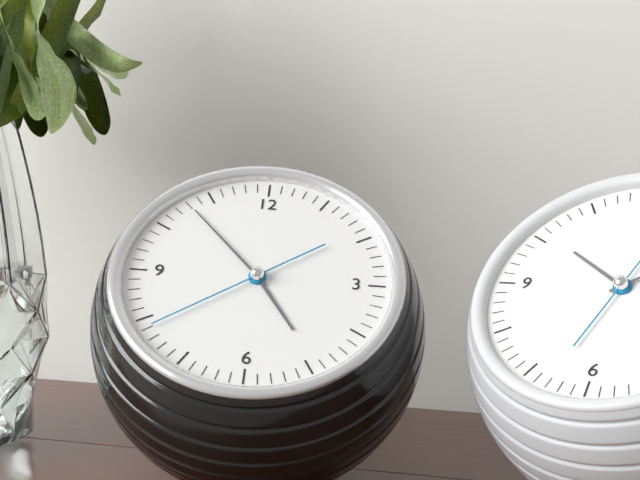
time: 4:53:39
